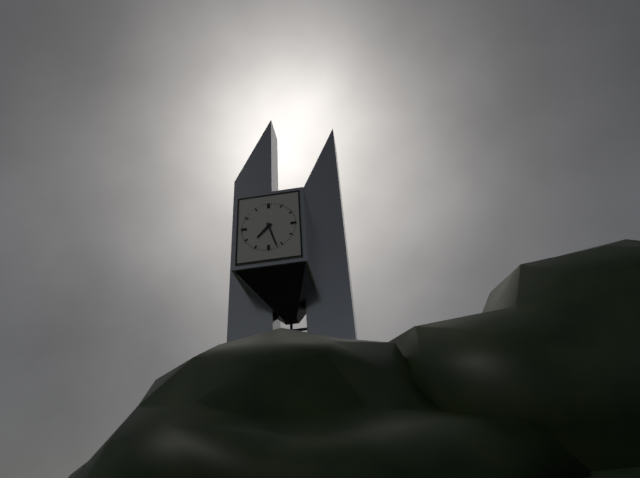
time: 7:27
